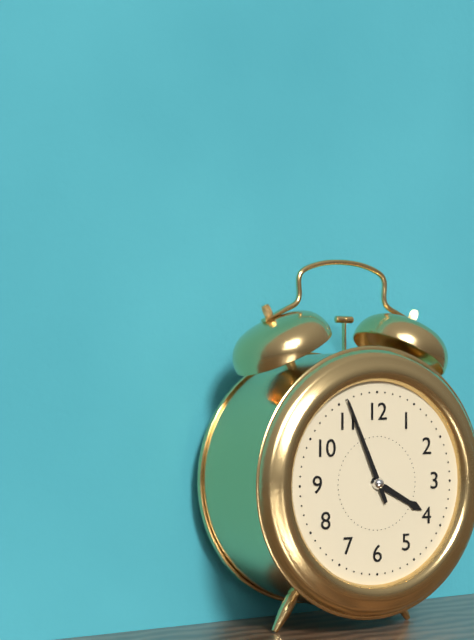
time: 3:56
